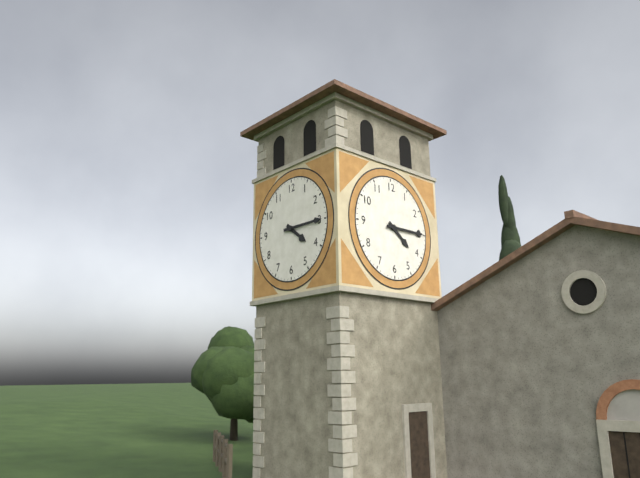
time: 4:15
